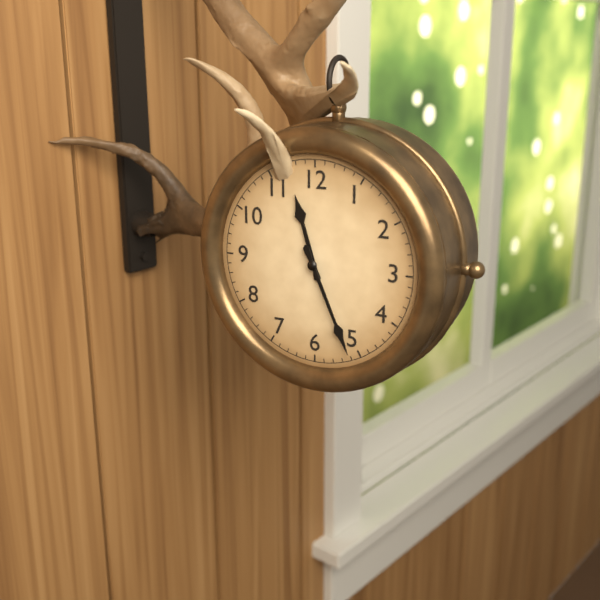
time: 11:26
